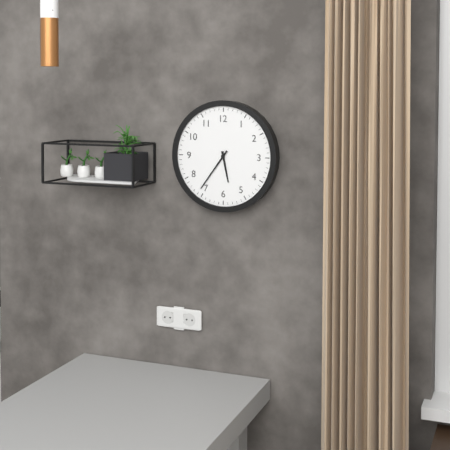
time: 5:36
